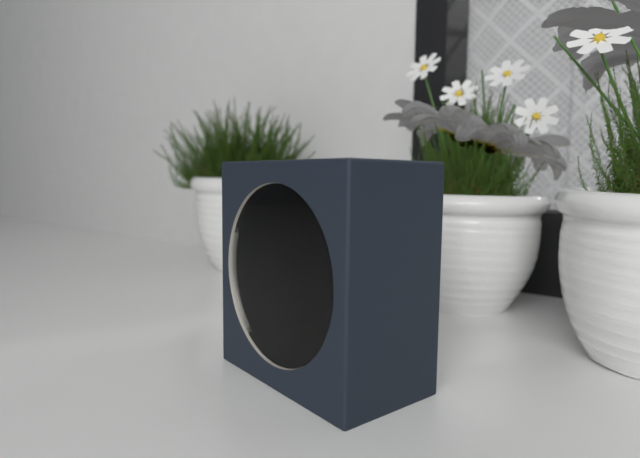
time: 1:16:05
